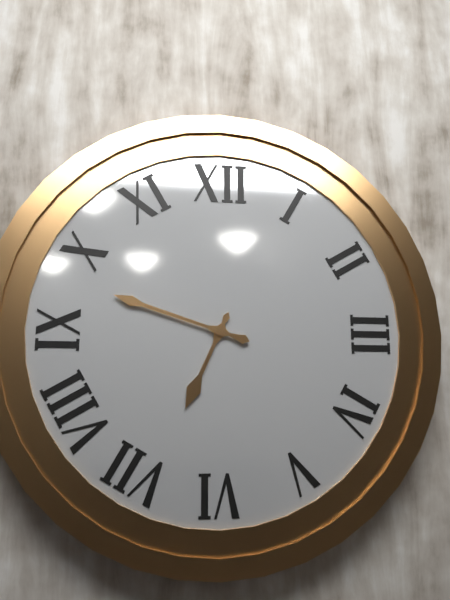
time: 6:48
